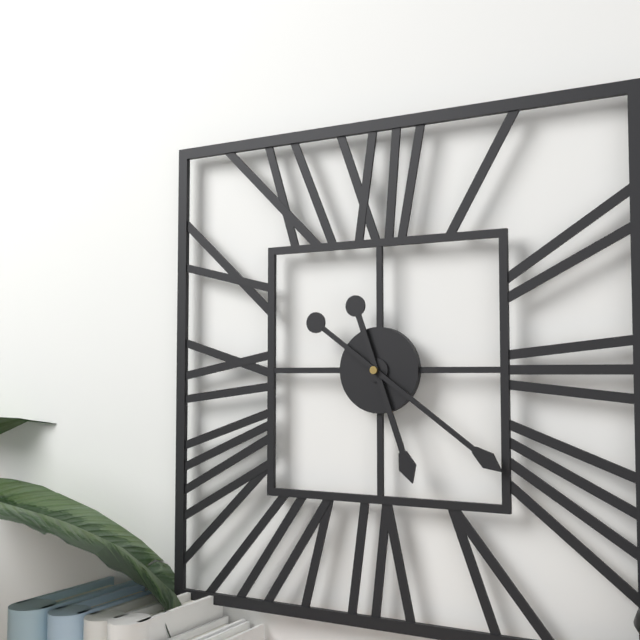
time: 5:21
